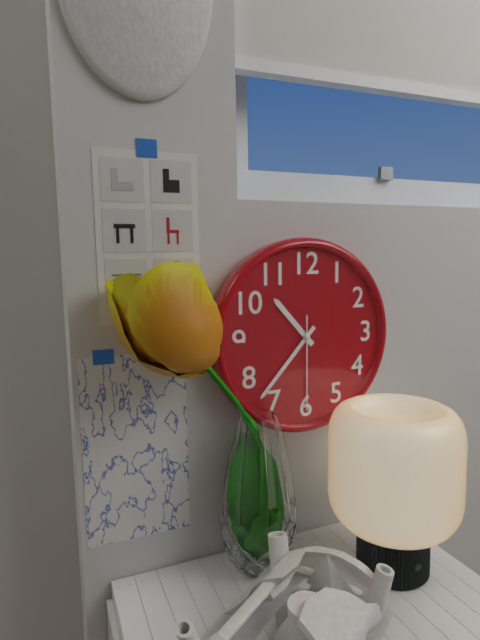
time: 10:37:30
